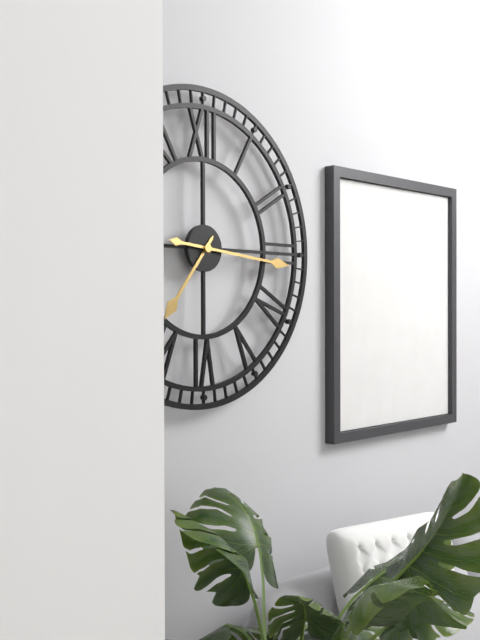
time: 7:16
